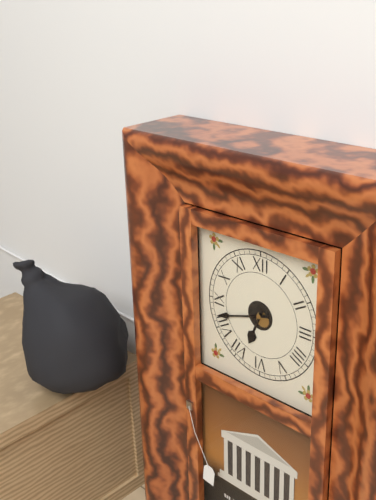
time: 6:42
